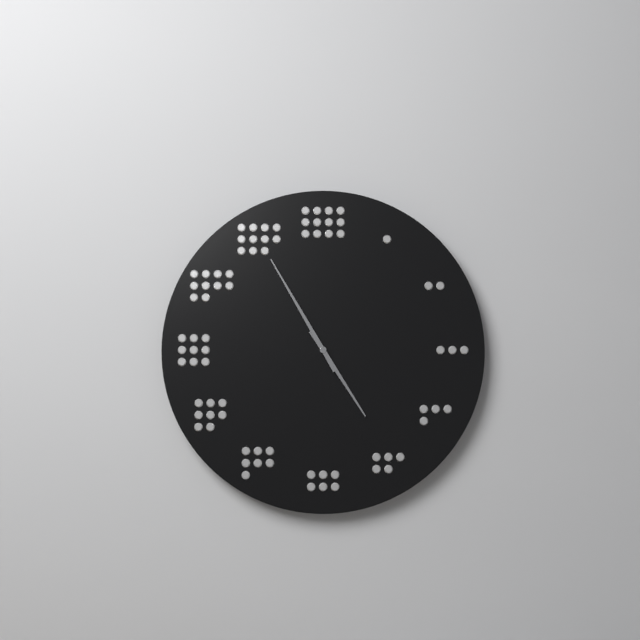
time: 4:55
